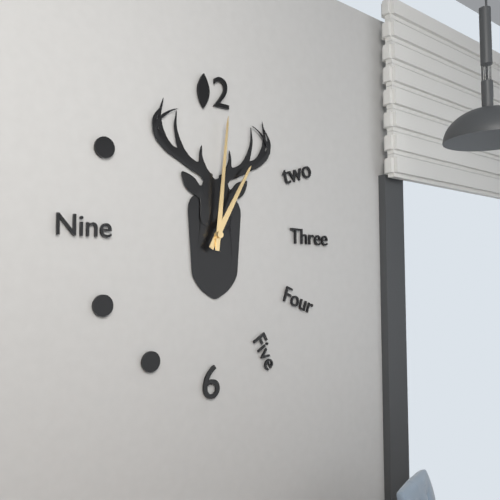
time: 1:01
